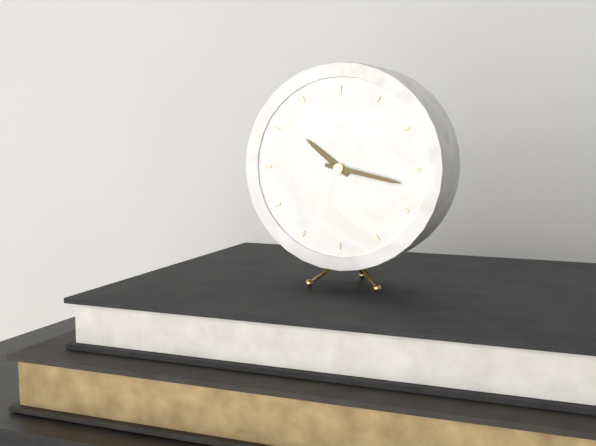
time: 10:17
